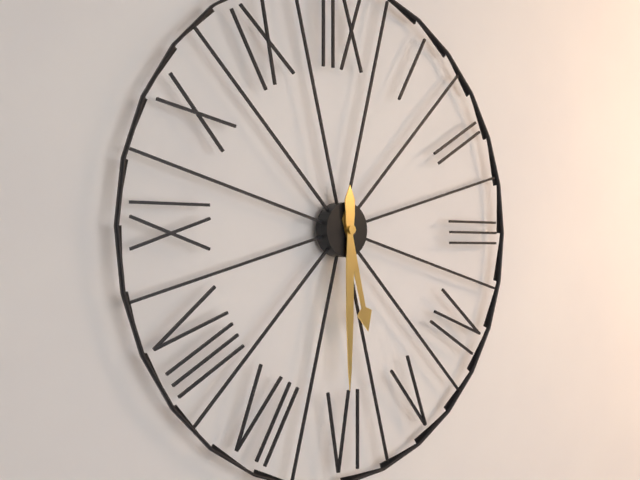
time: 5:30
